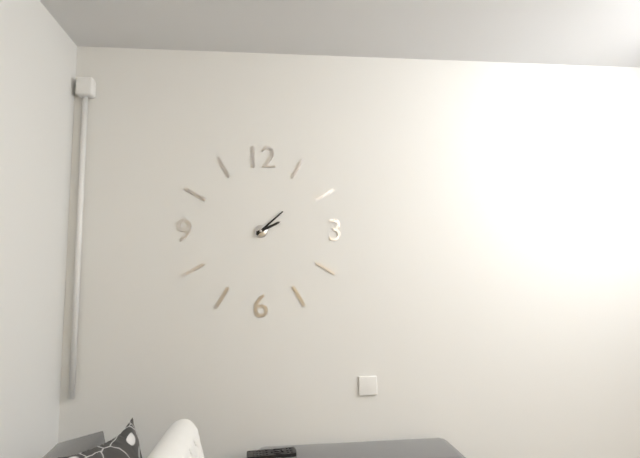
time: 2:08
